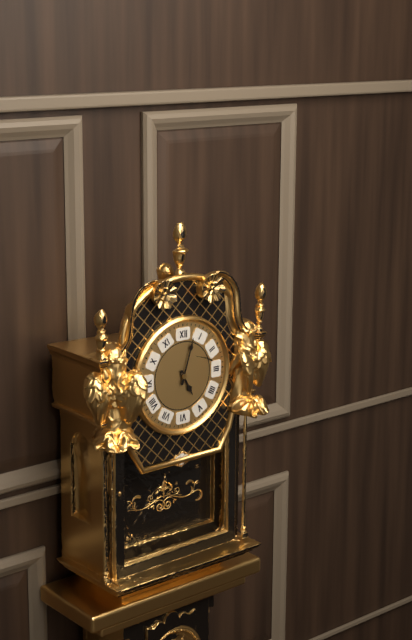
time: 5:03
